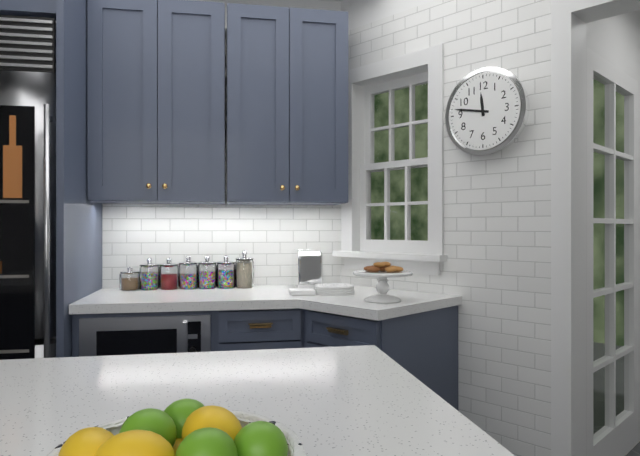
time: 11:47
